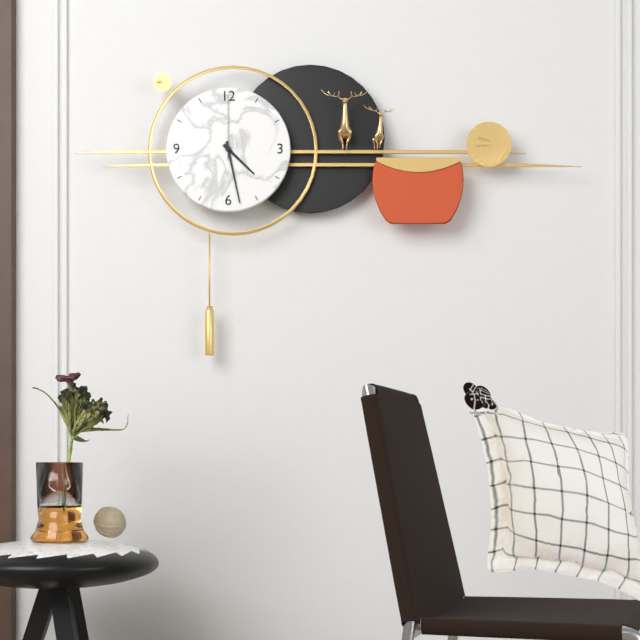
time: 4:28:00
